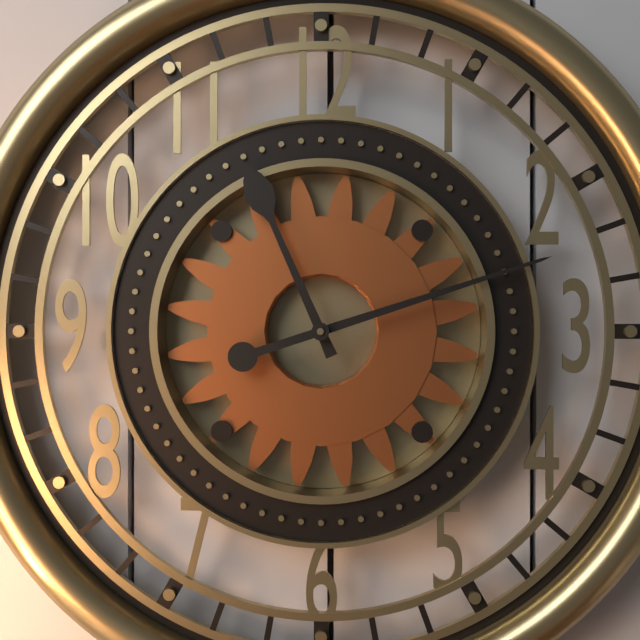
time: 11:12
